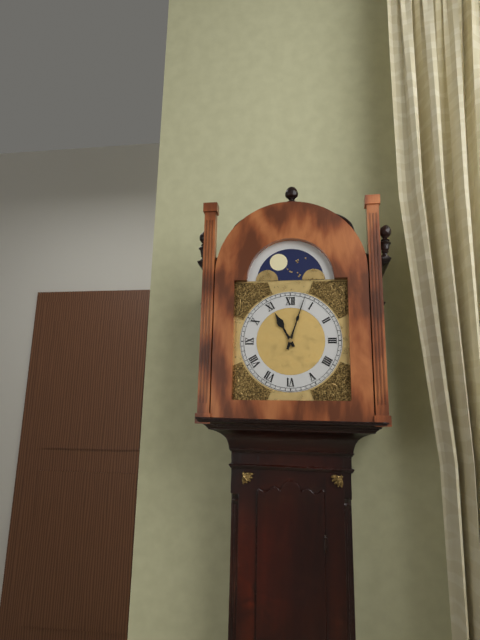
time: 11:03
